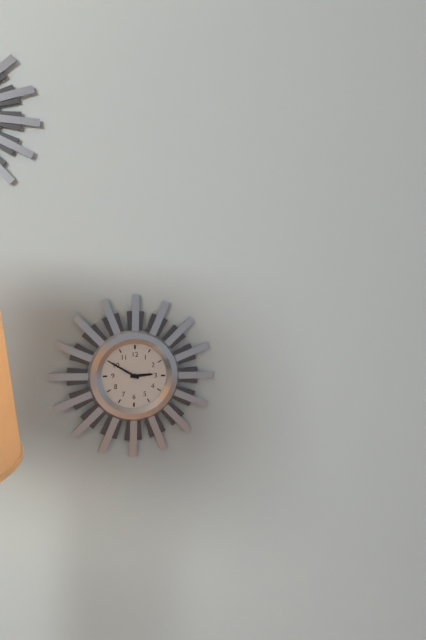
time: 2:50
